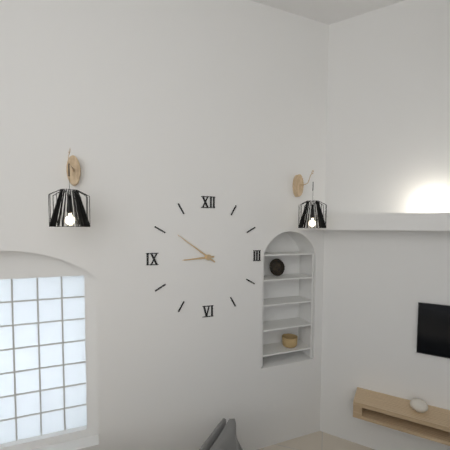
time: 8:51
